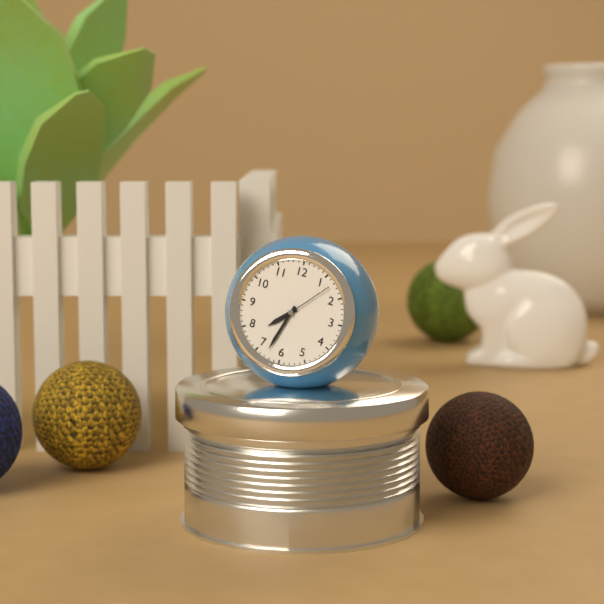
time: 7:33
